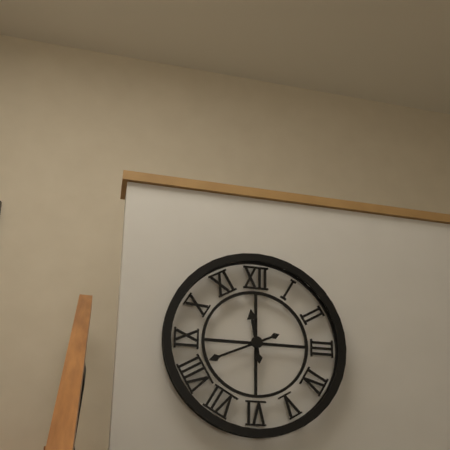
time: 11:41
